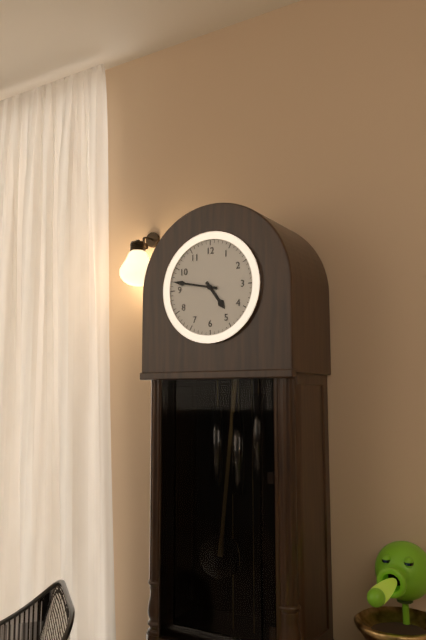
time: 4:47
